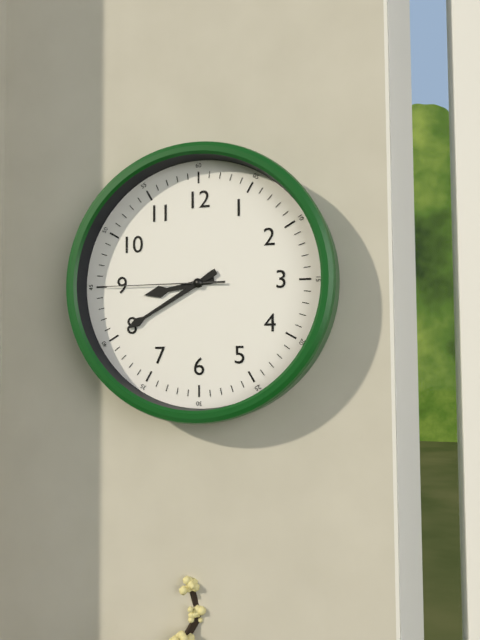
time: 8:40:45
